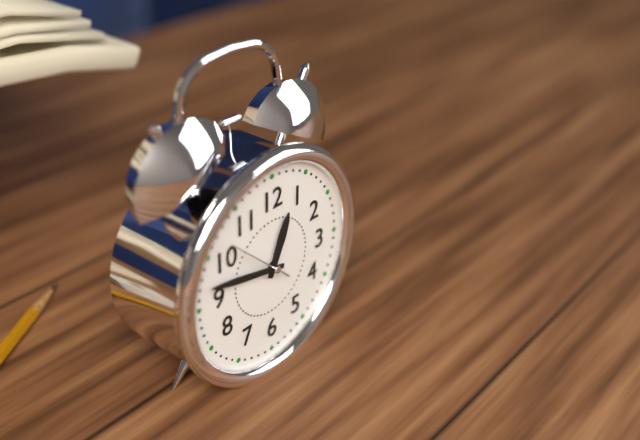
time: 12:47:52
